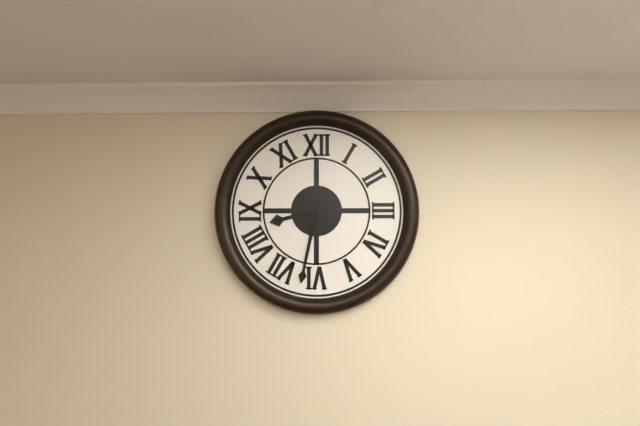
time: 8:32
